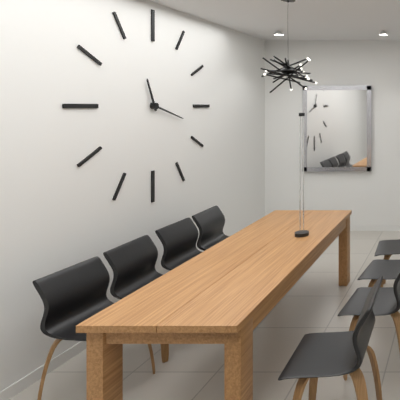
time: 11:18
